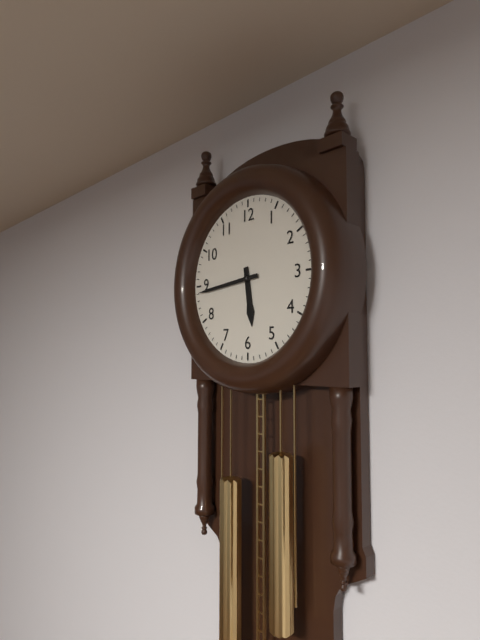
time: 5:44
